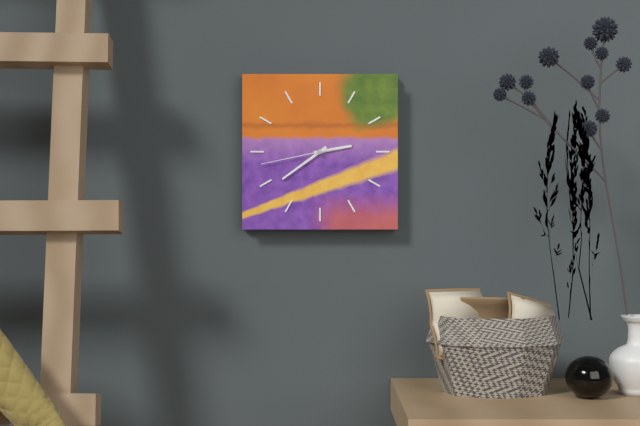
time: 2:39:43
